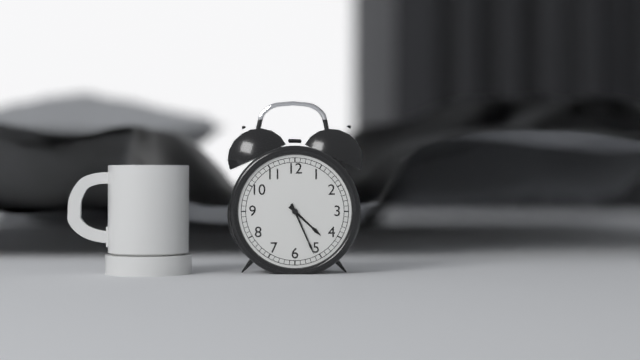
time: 4:26
